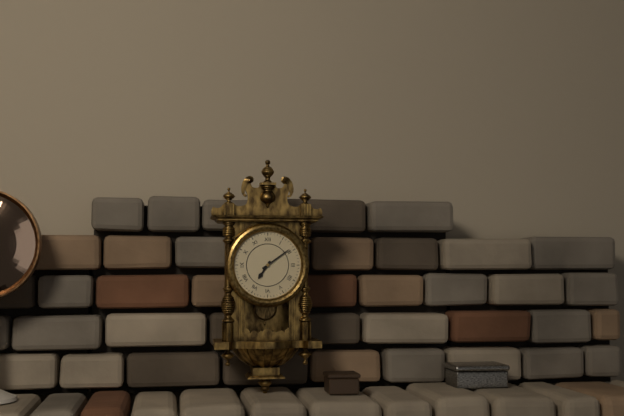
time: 7:09
